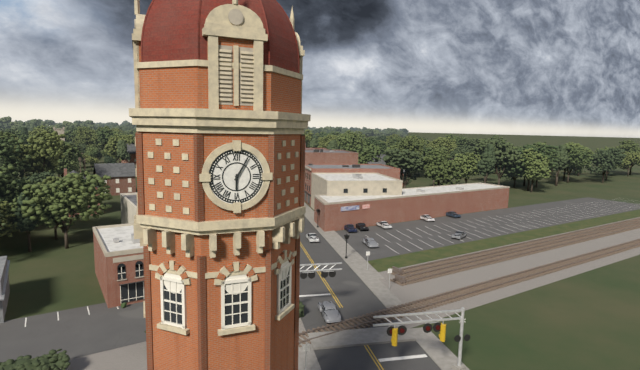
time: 6:05
